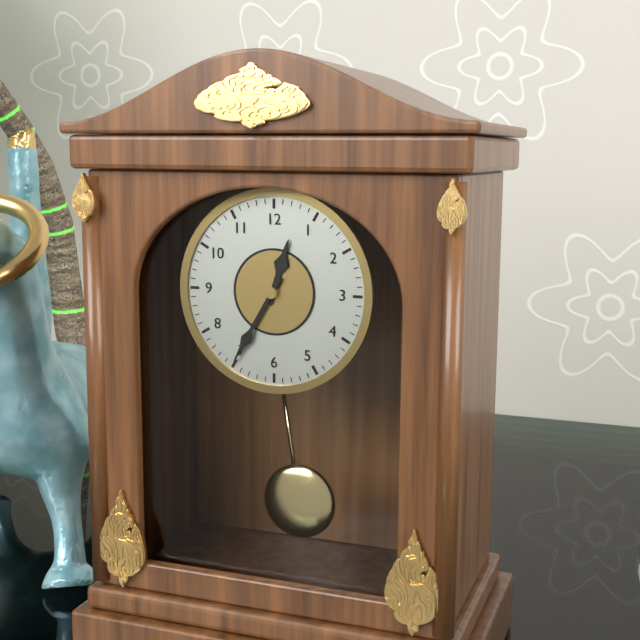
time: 12:35
